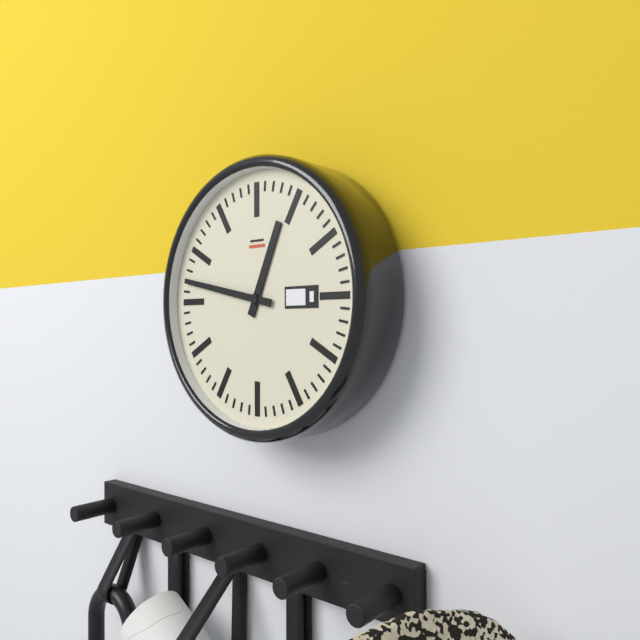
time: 12:47
